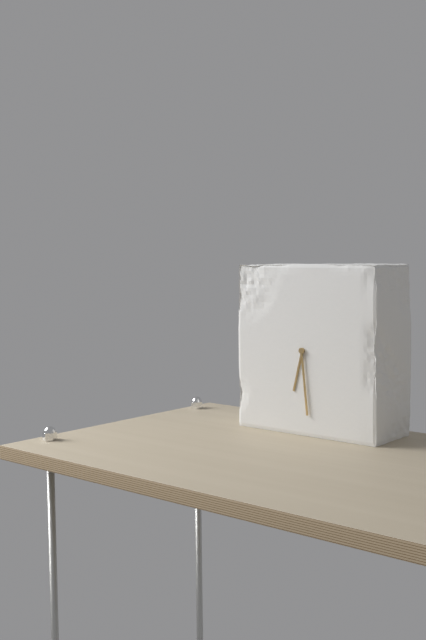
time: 6:29
